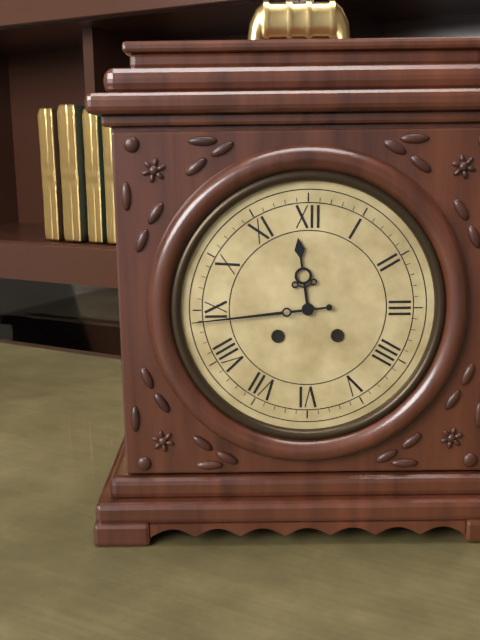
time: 11:44
